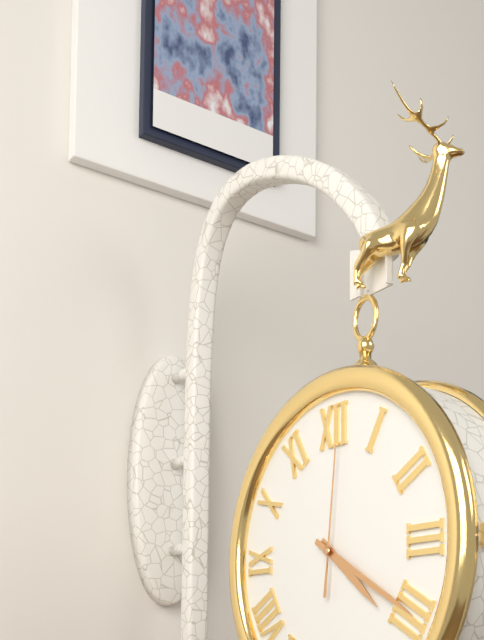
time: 4:20:01
